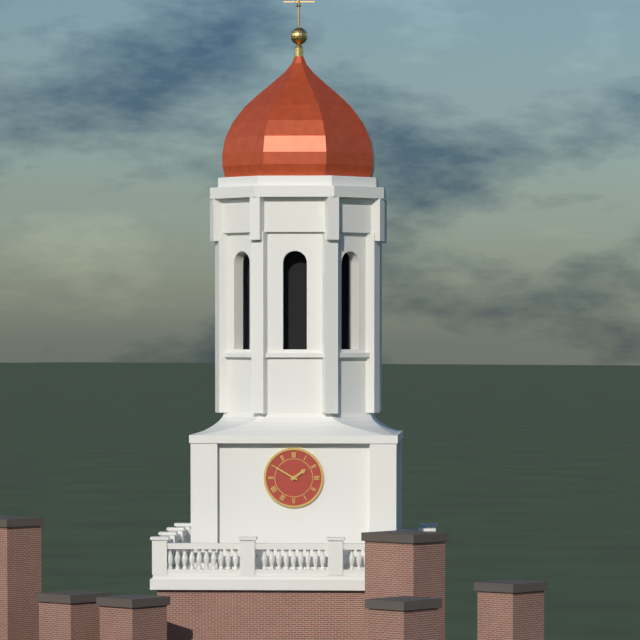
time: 1:50
